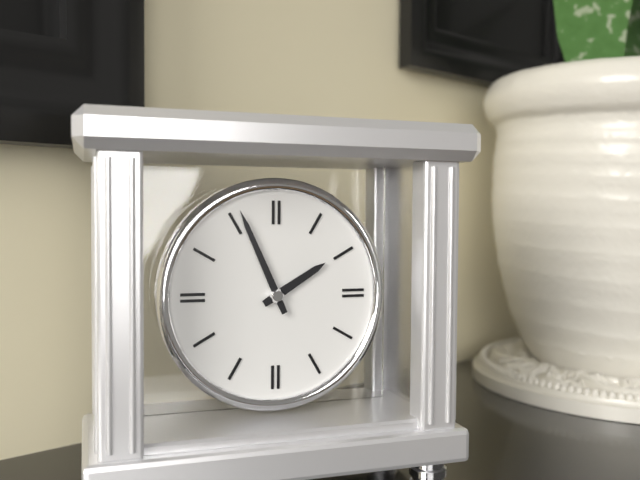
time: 1:56
